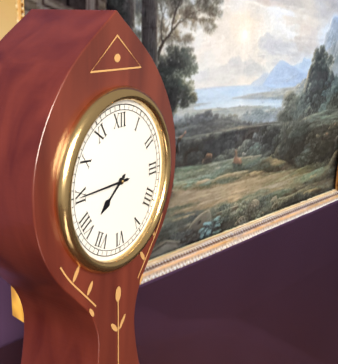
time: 7:45
